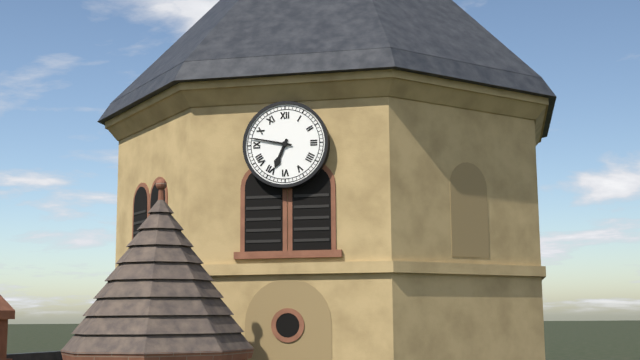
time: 6:47
